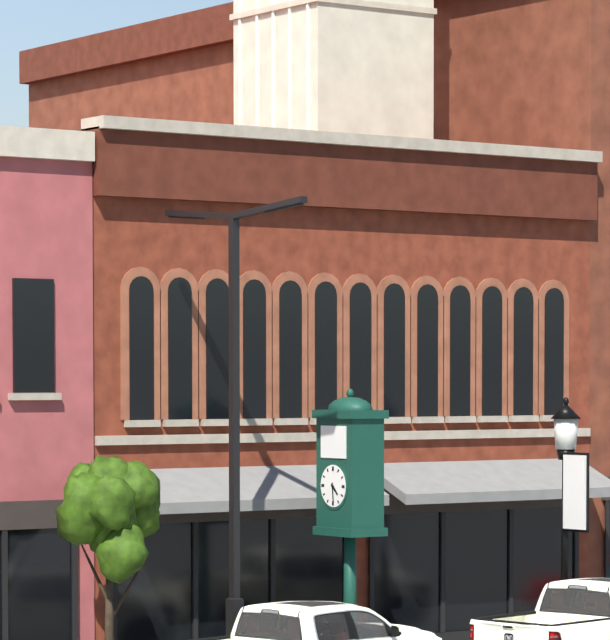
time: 4:29
